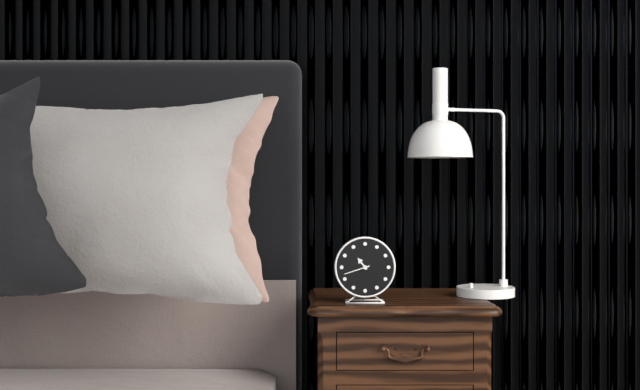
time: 10:42
